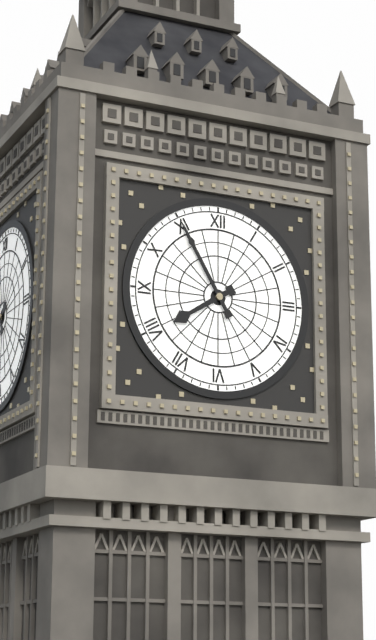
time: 7:55
